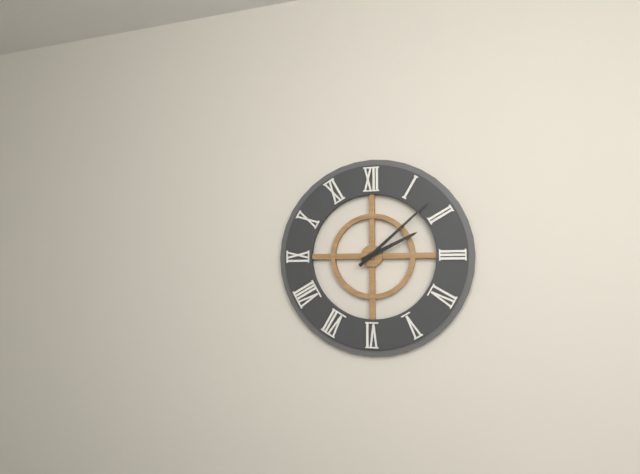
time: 2:08
